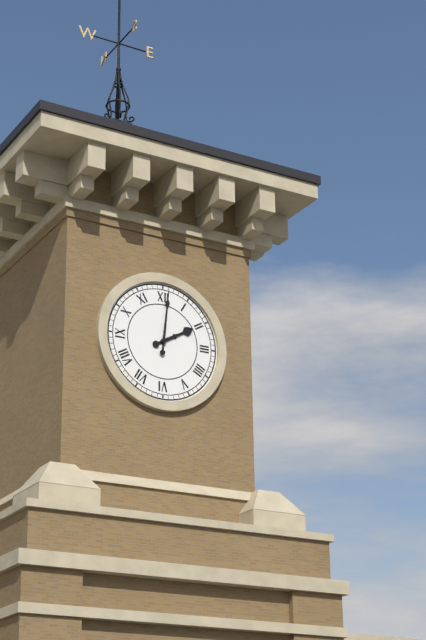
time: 2:01
